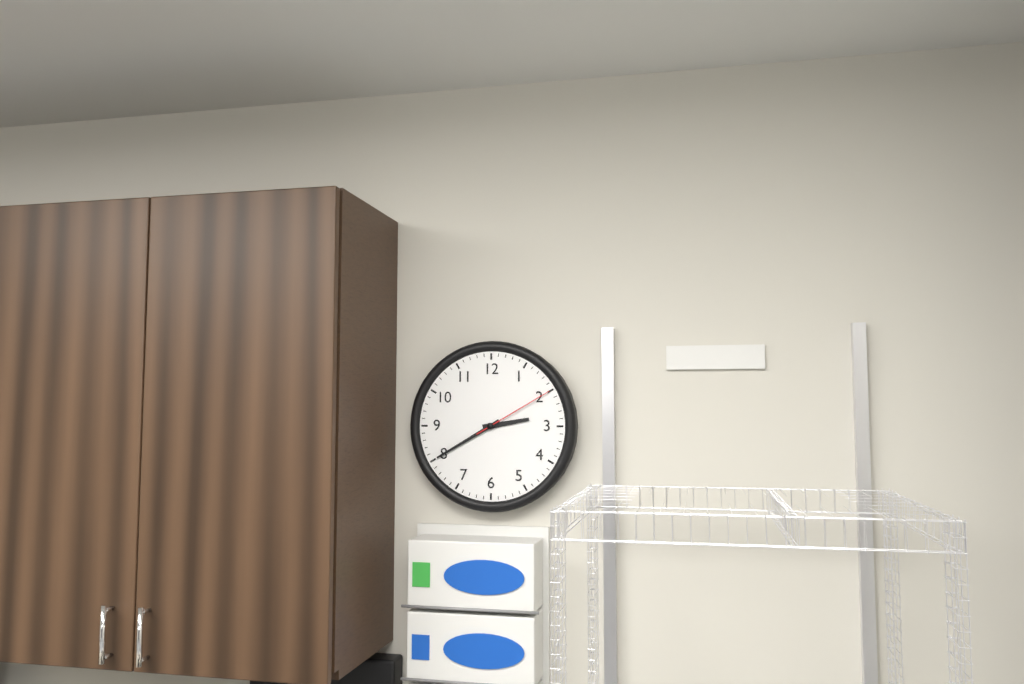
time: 2:40:10
